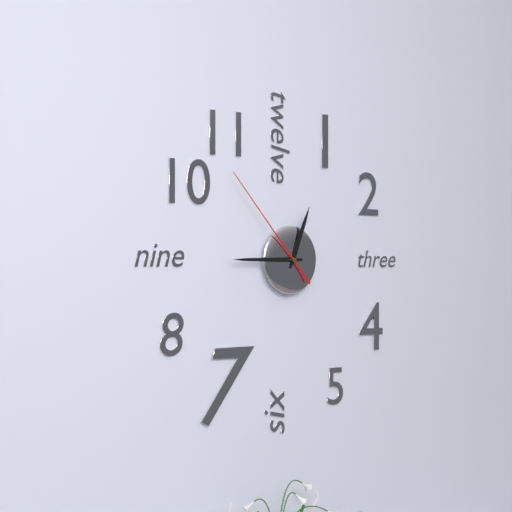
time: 12:45:53
